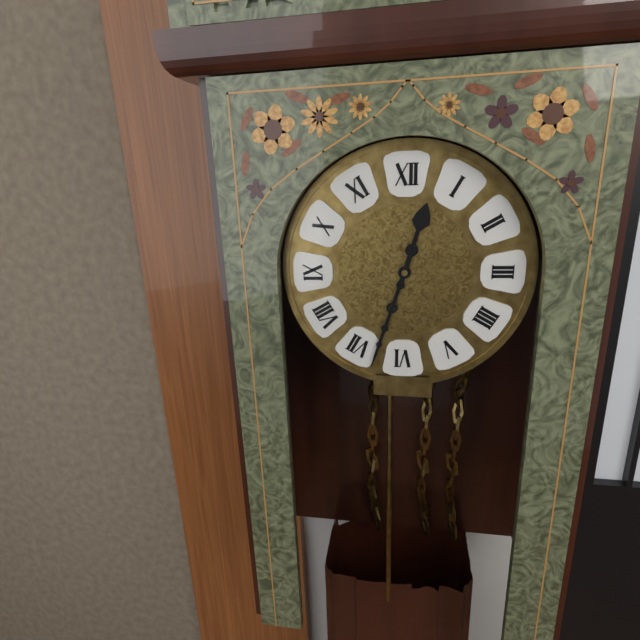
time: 12:33
